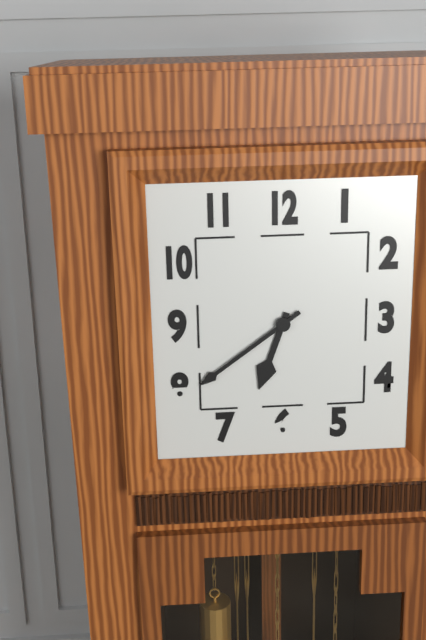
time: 6:39
